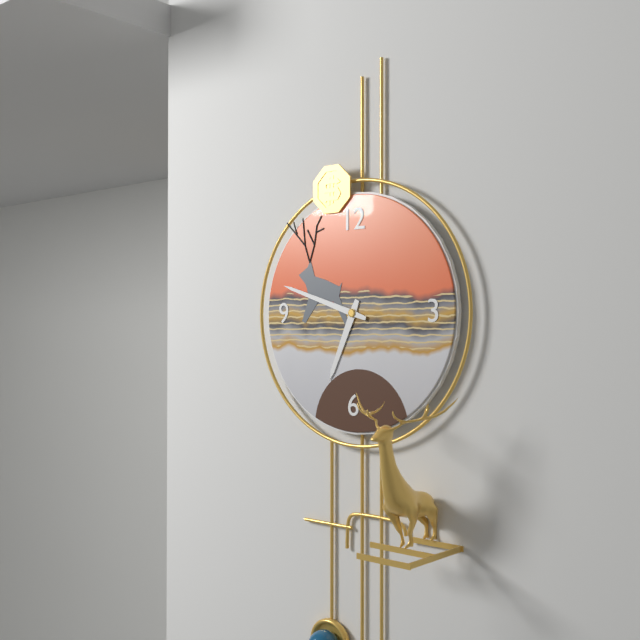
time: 6:48
